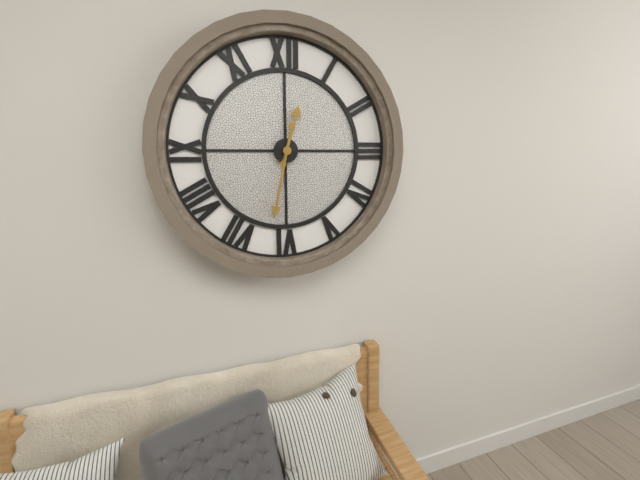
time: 12:32
